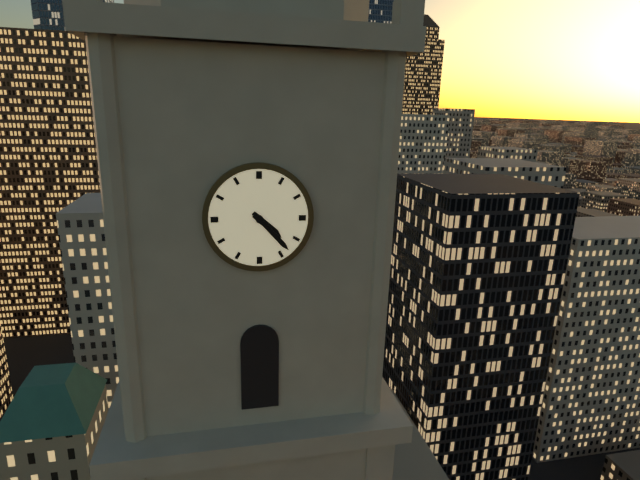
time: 4:23
